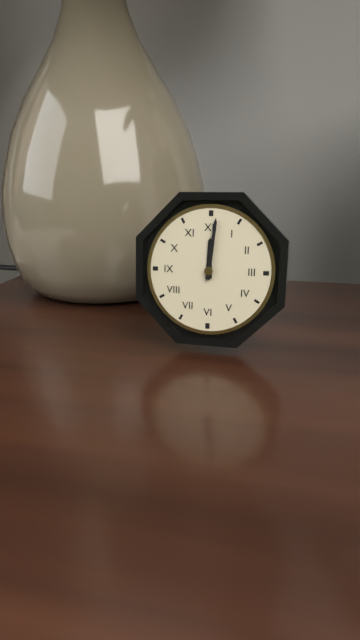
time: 12:01
